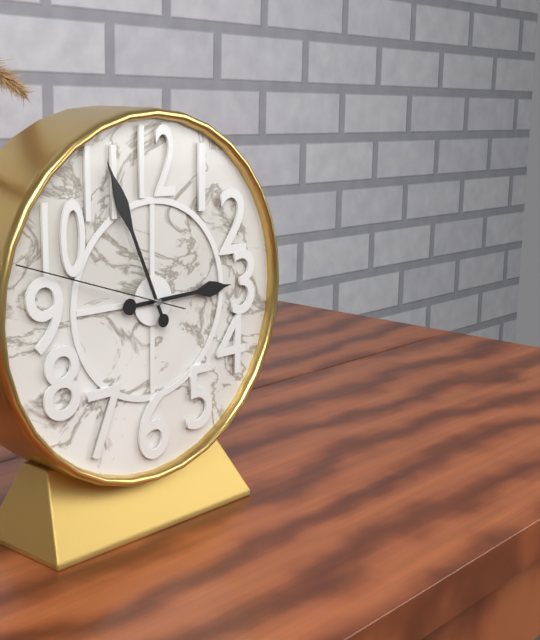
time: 2:56:48
